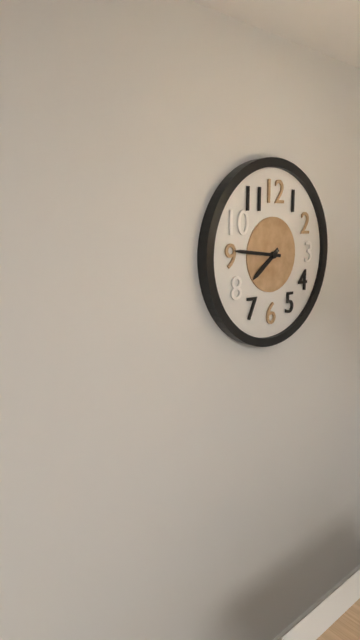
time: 7:46
